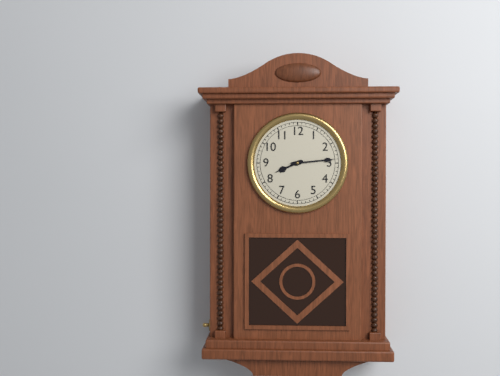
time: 8:14
